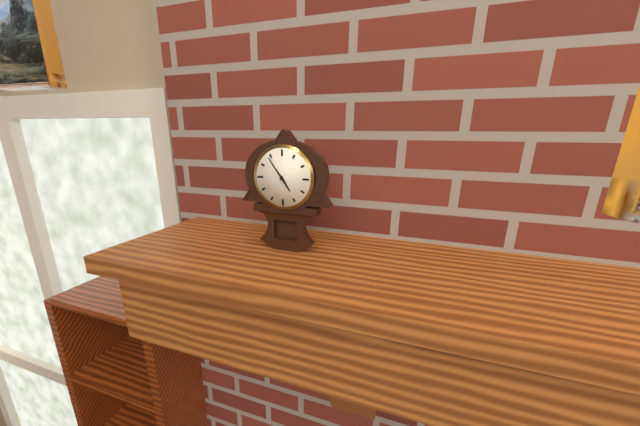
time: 4:54
